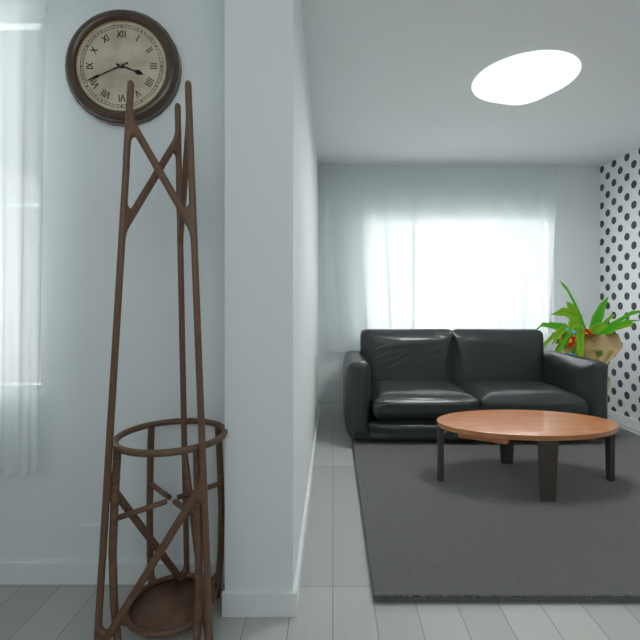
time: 3:41
